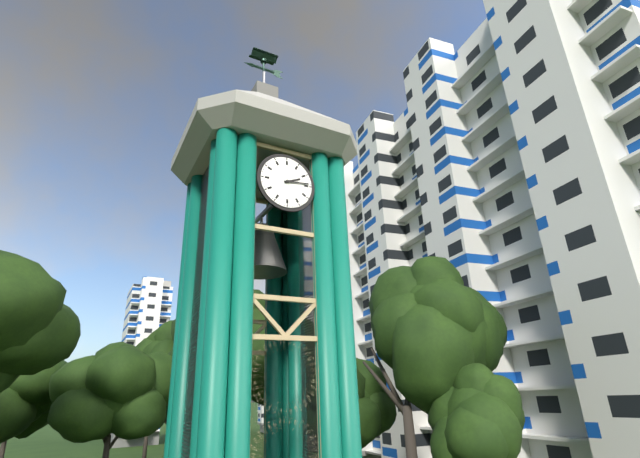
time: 2:14
